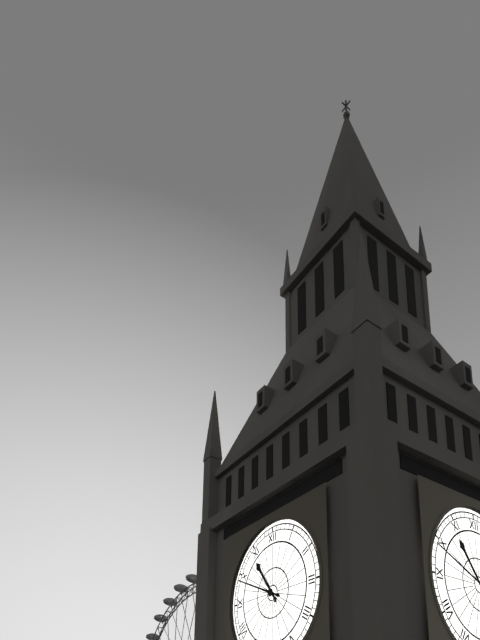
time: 10:49
